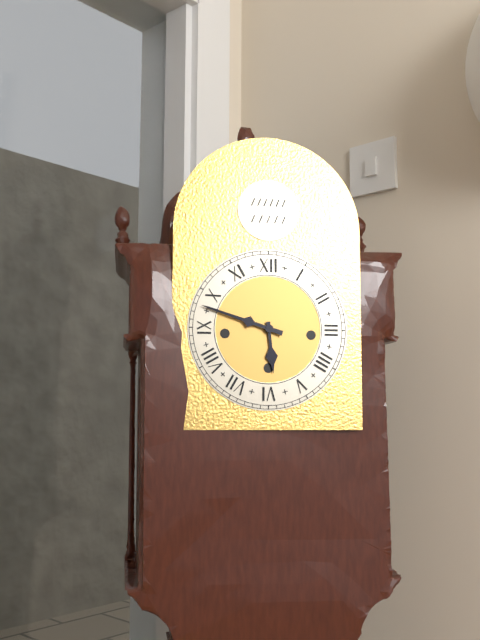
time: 5:48
